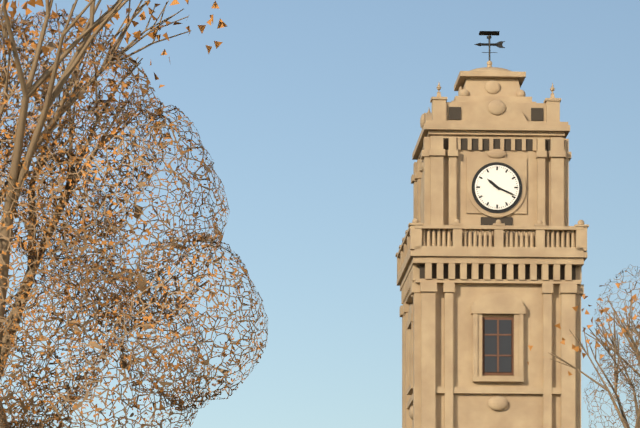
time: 10:19
